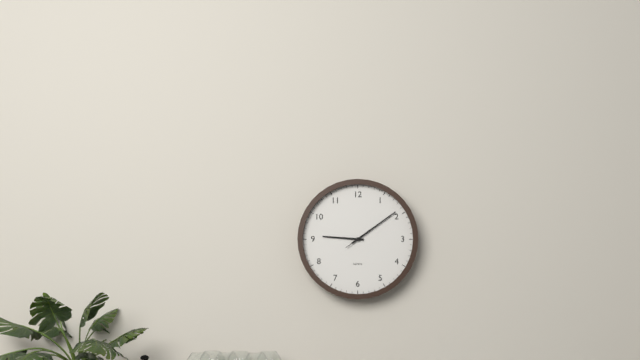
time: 9:09:09
